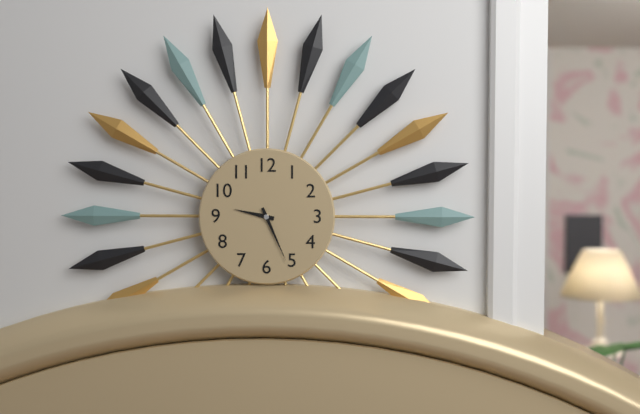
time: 9:26
